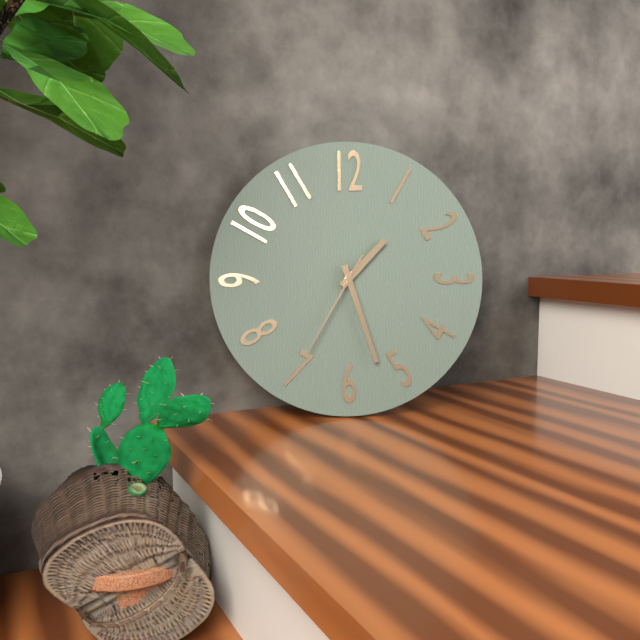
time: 1:27:35
